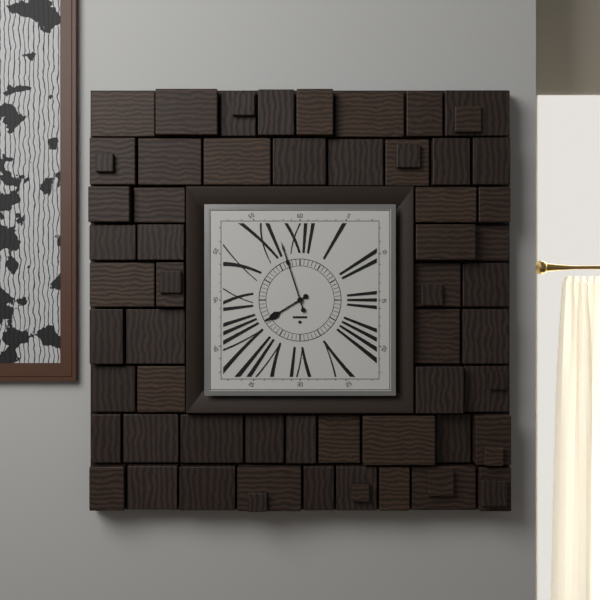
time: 7:57
